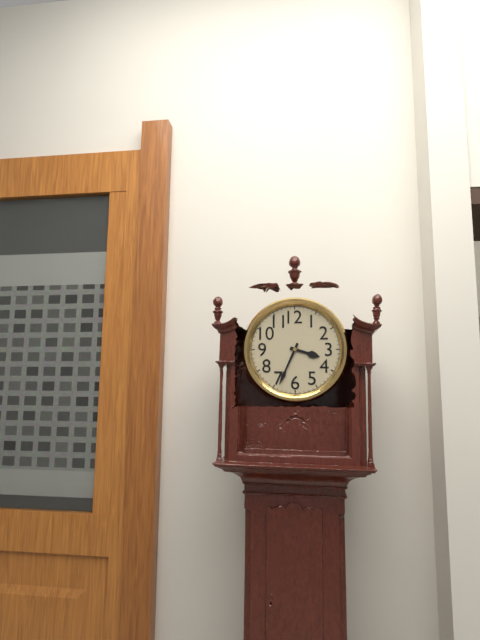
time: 3:34
